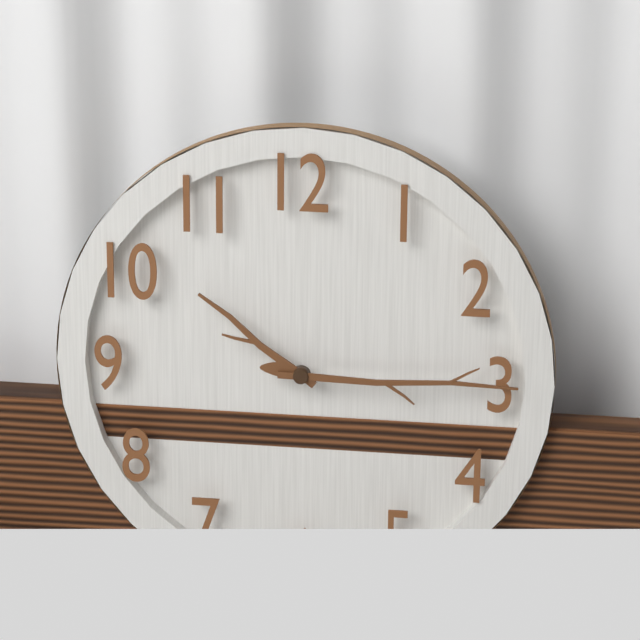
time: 10:15
